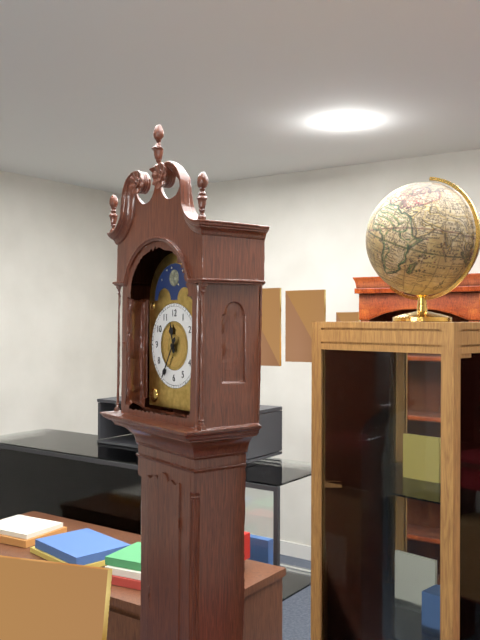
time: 11:35
